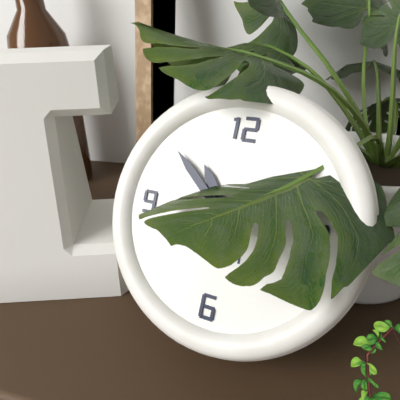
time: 10:52
